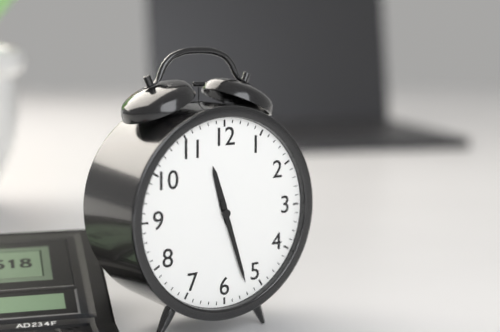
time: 11:27
